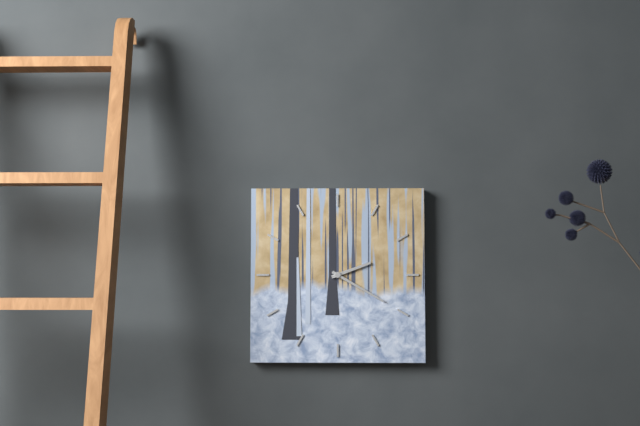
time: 2:20
